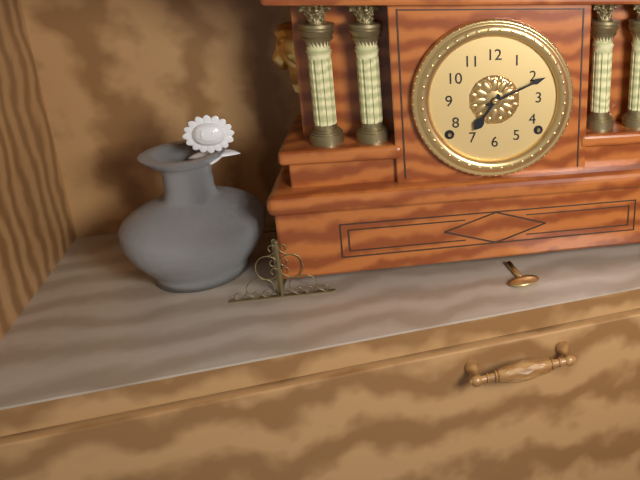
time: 7:11
